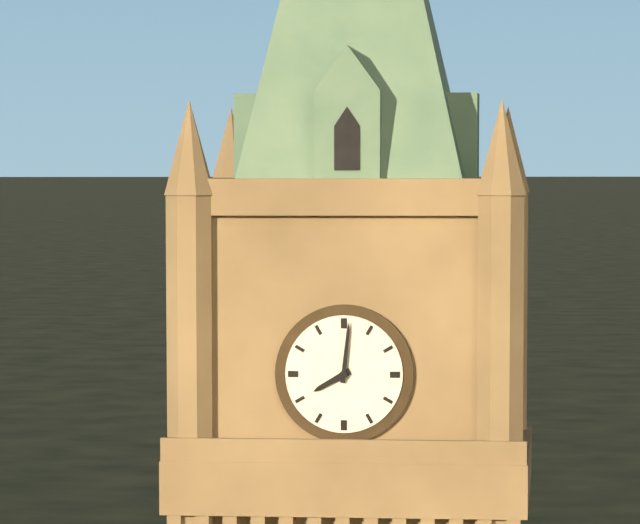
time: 8:01
